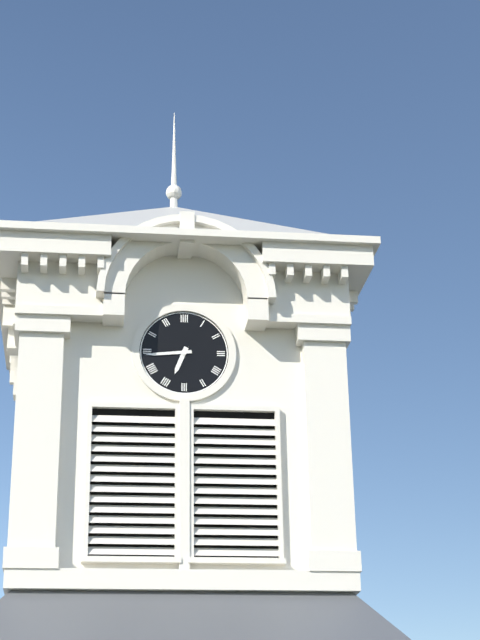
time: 6:44
